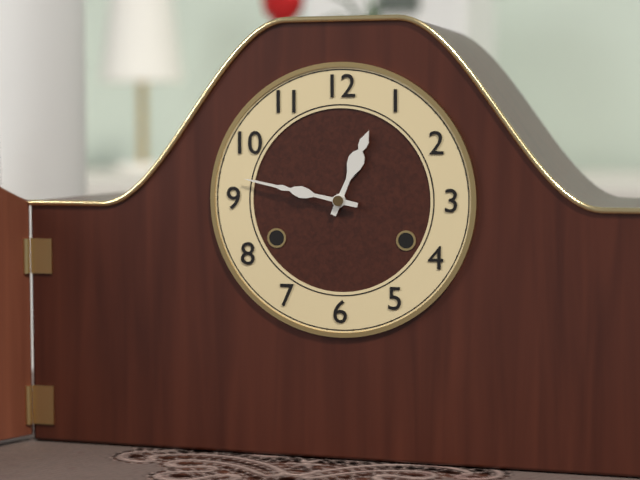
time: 12:47
